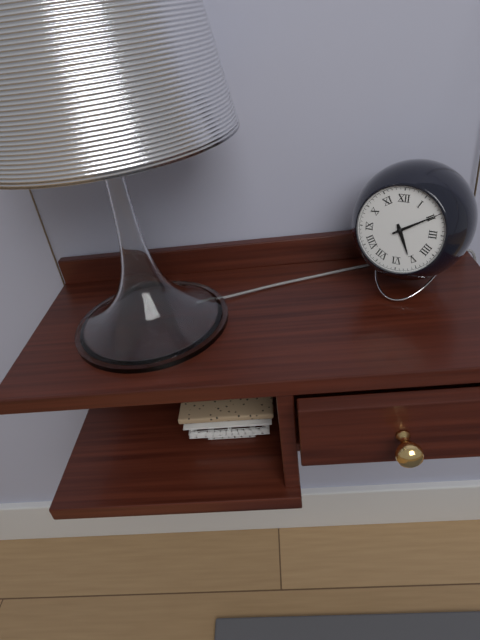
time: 5:10
